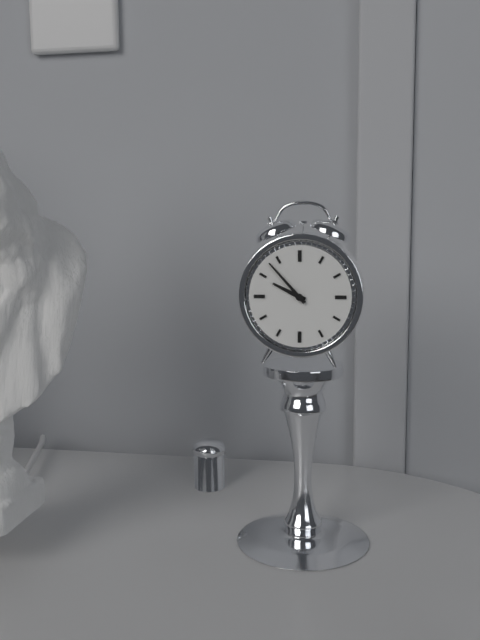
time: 9:53
